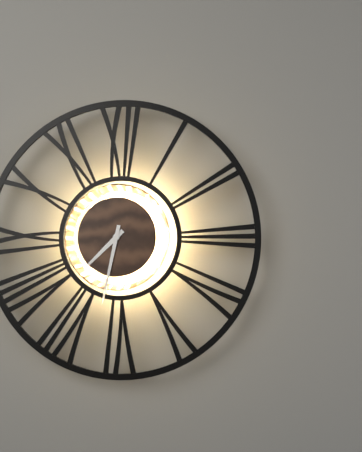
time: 7:32
